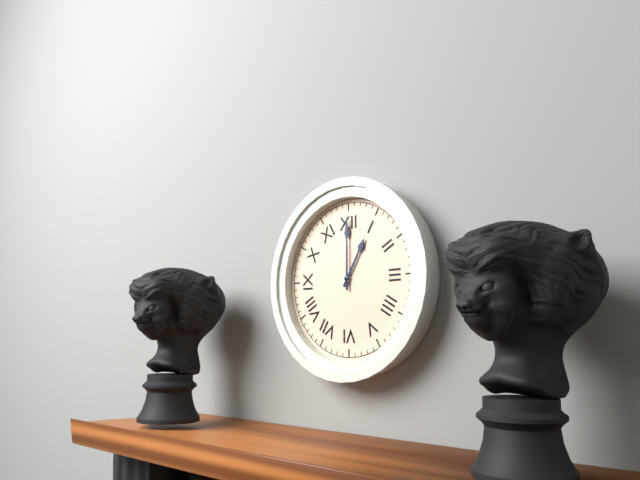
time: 1:00
